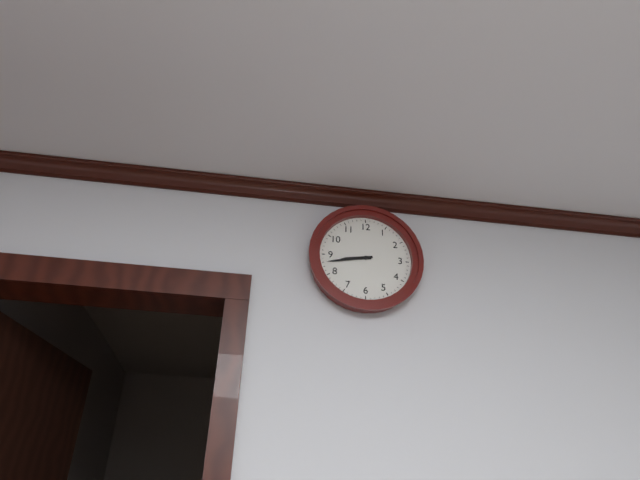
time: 8:43
